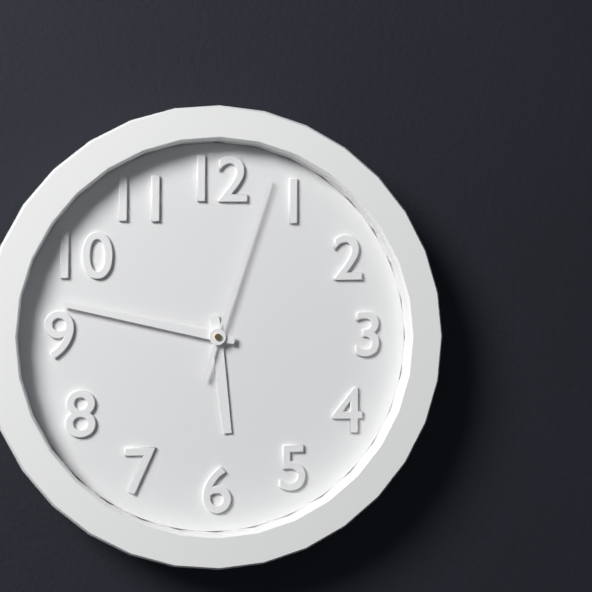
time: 5:47:03
